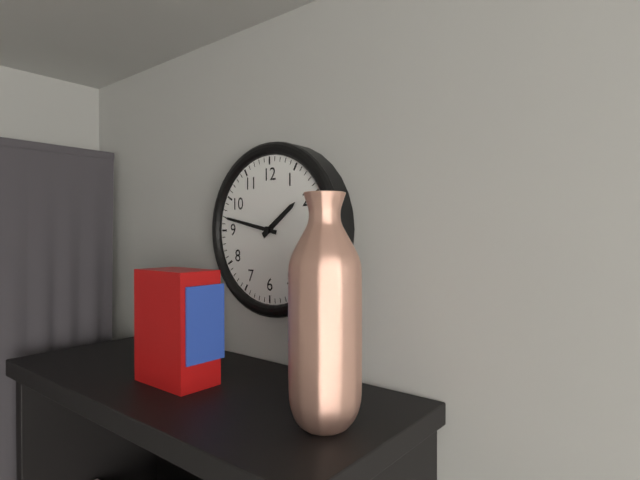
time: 1:47
